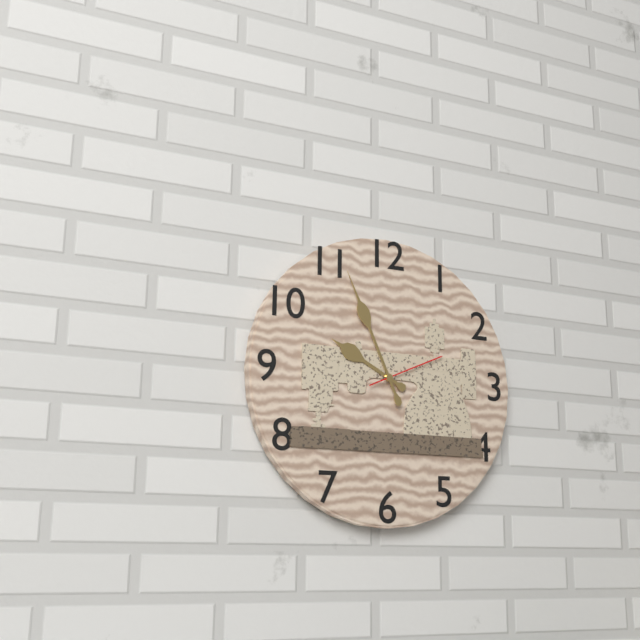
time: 9:56:11
